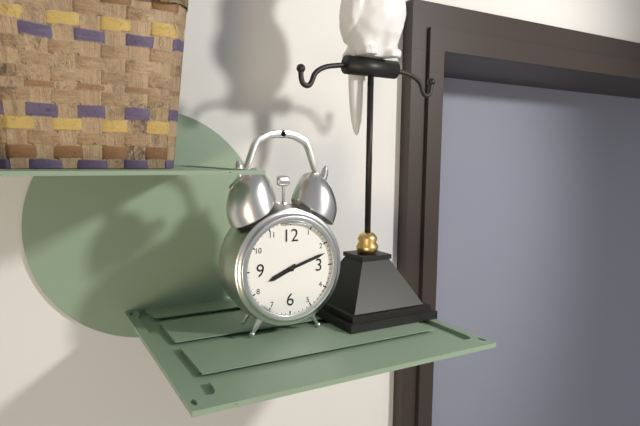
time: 8:12
